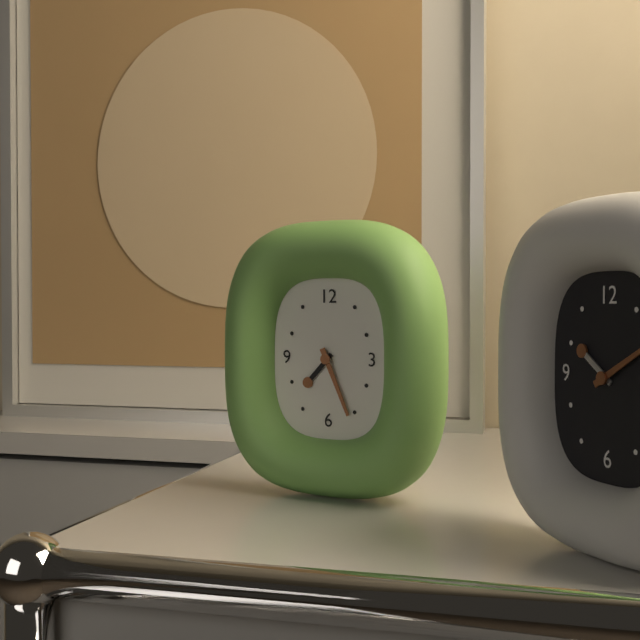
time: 7:26
